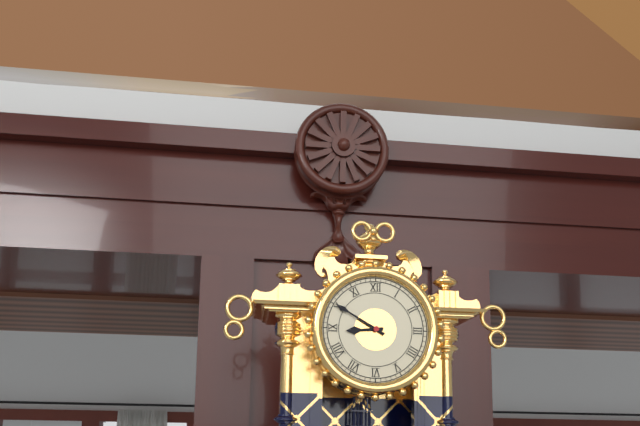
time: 8:50
